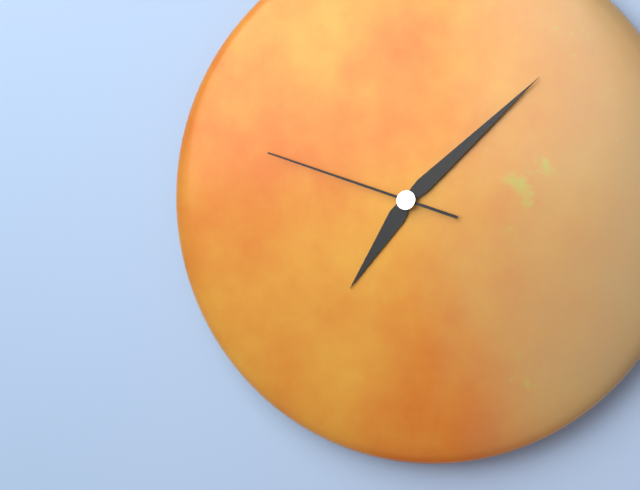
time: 7:08:48
